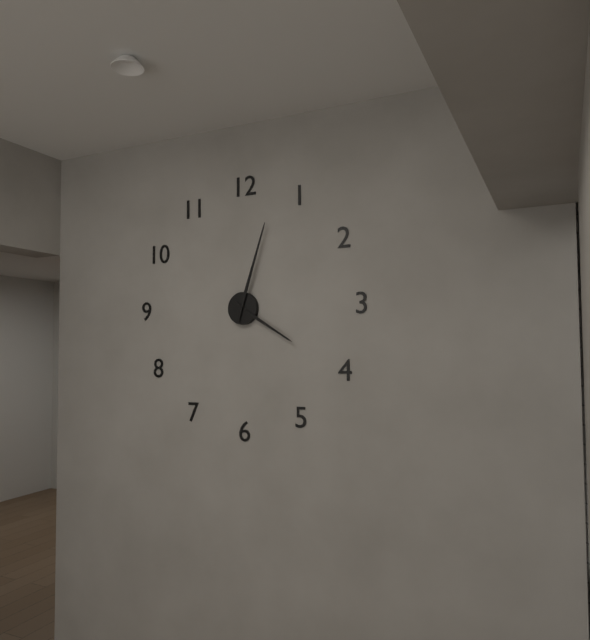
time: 4:03
